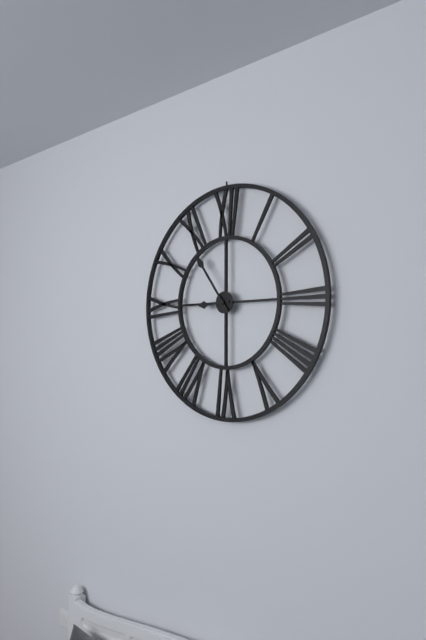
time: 8:54
